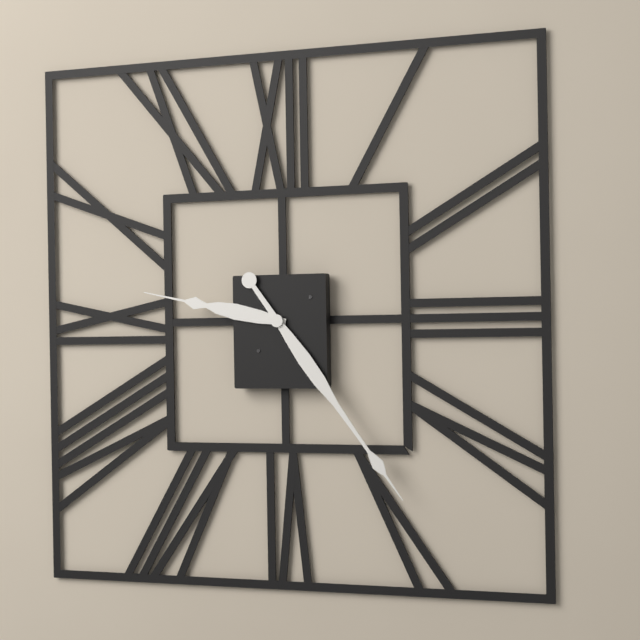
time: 9:24
